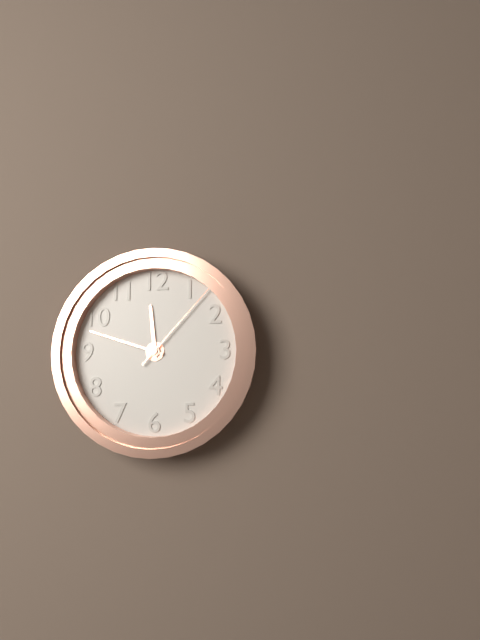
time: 11:48:07
